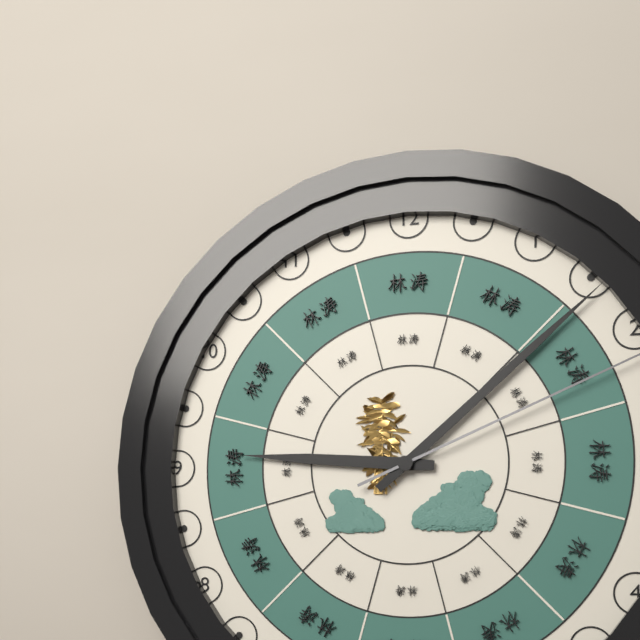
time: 9:08
